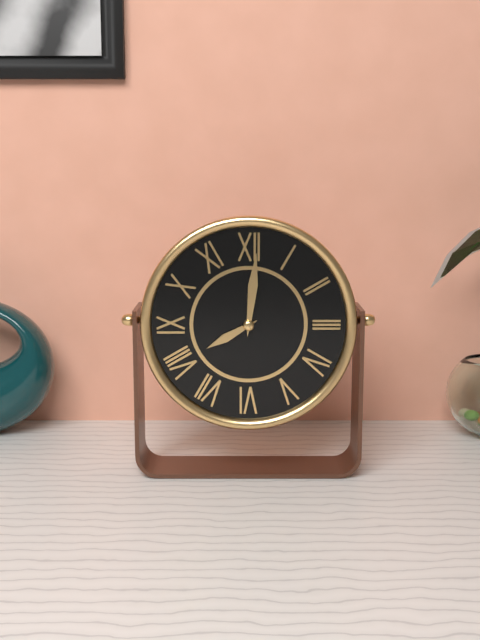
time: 8:01
